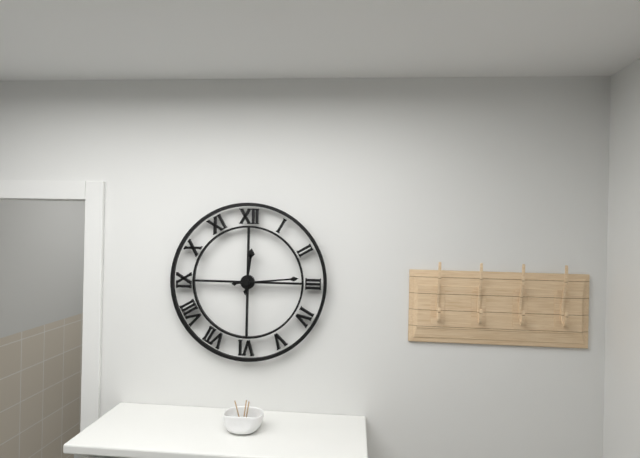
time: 12:14
